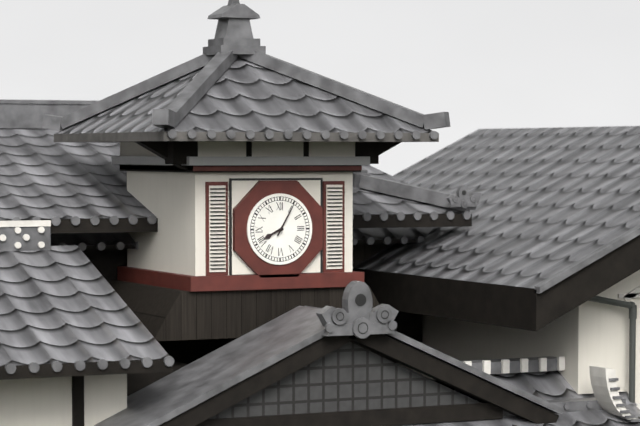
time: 8:05
